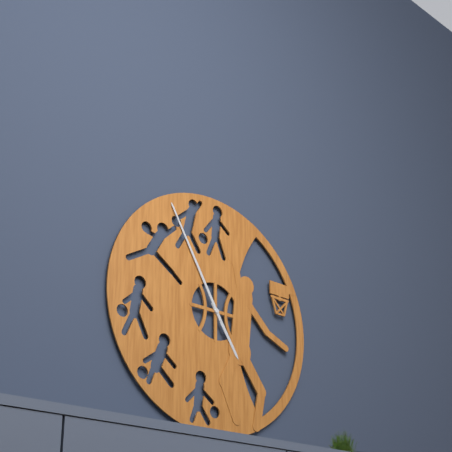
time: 4:55
